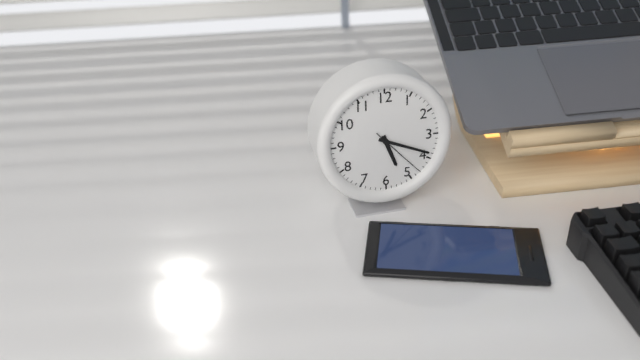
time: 5:19:23
